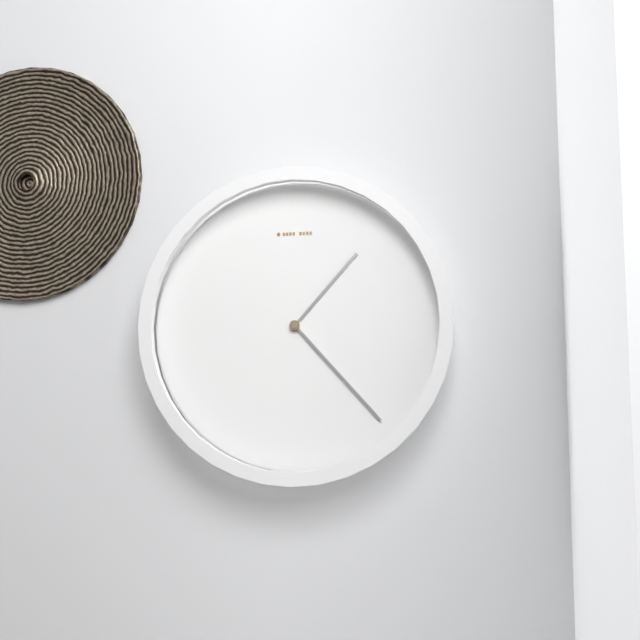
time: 1:23
